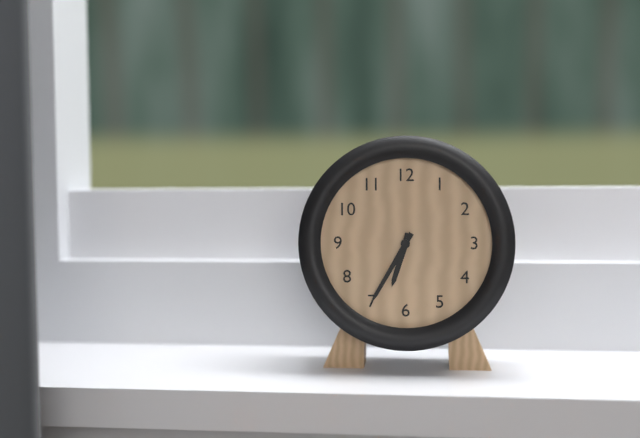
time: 6:35
